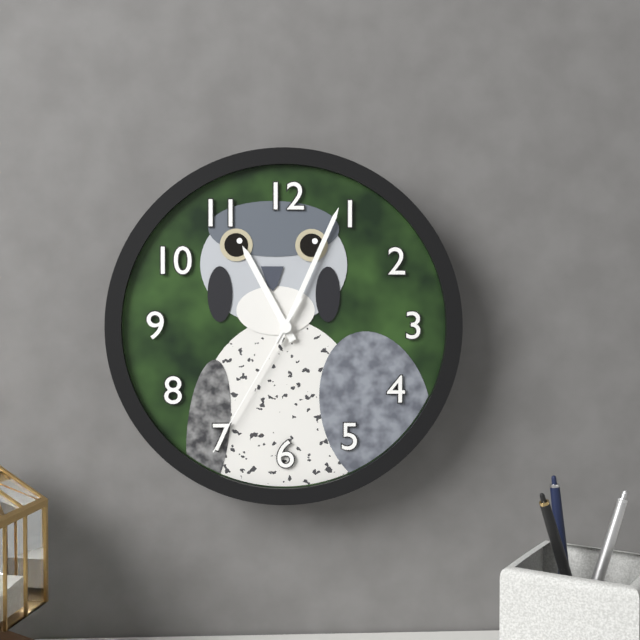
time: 11:04:35
